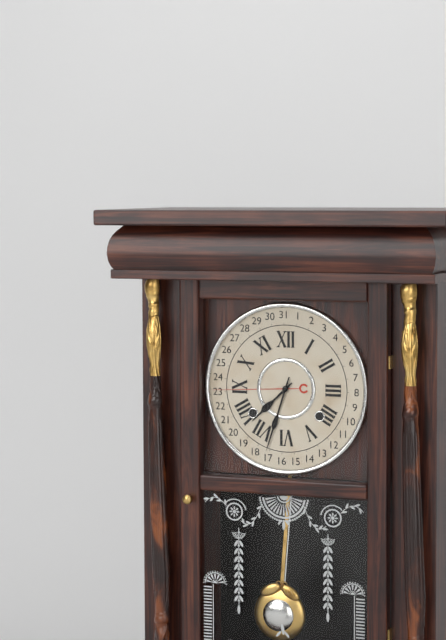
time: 7:33
